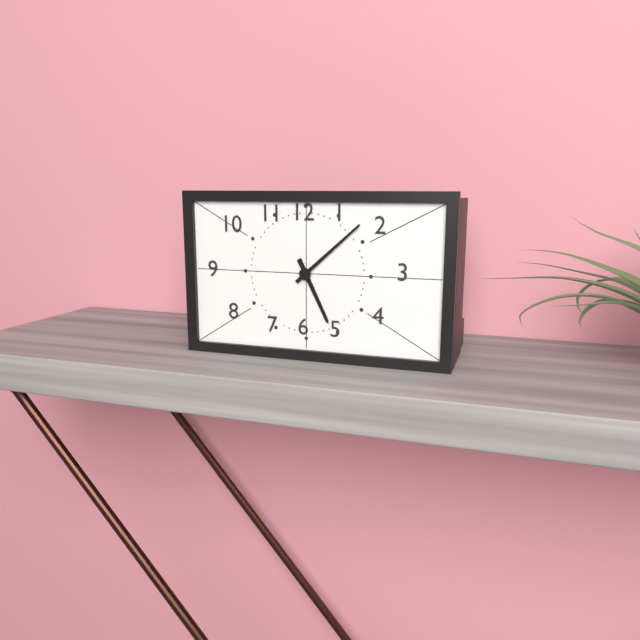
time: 5:08
